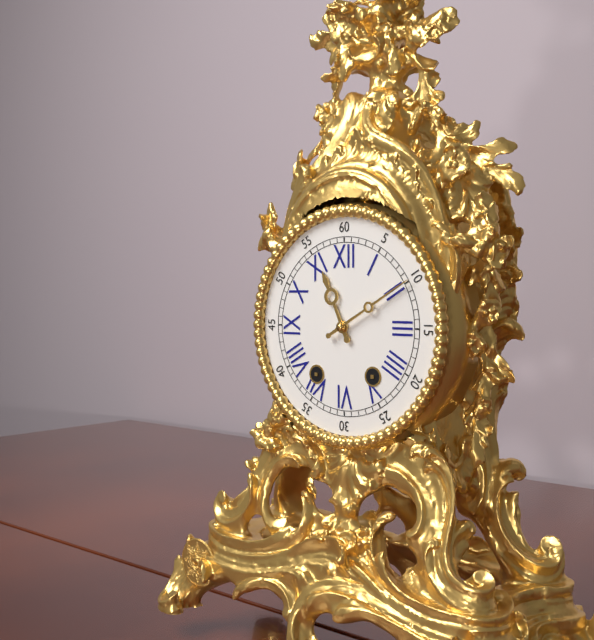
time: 11:10
